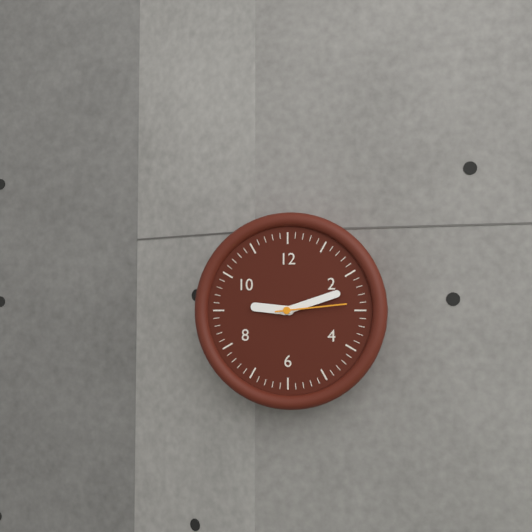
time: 9:12:14
